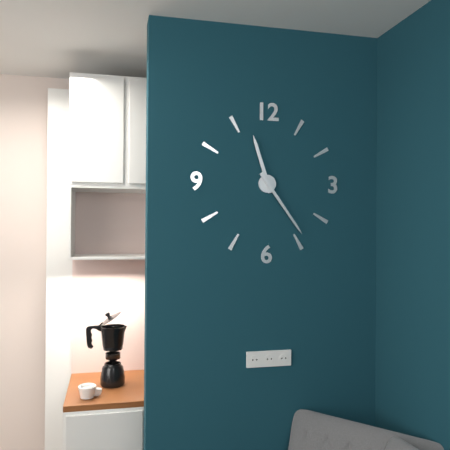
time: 11:24
